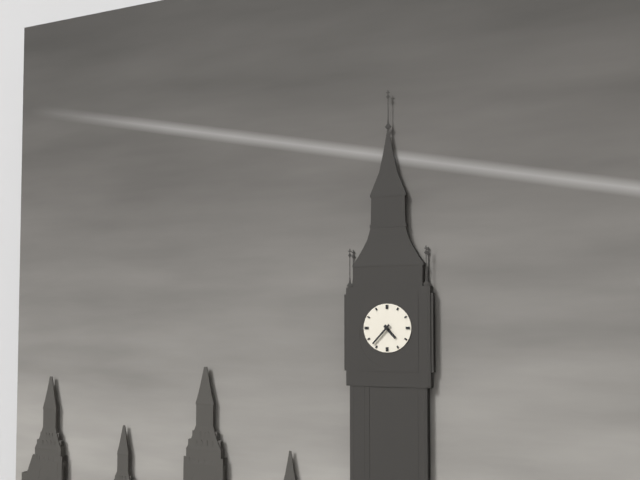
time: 4:37
